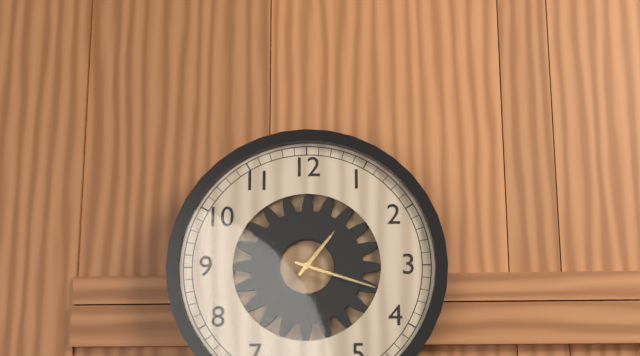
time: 1:18
